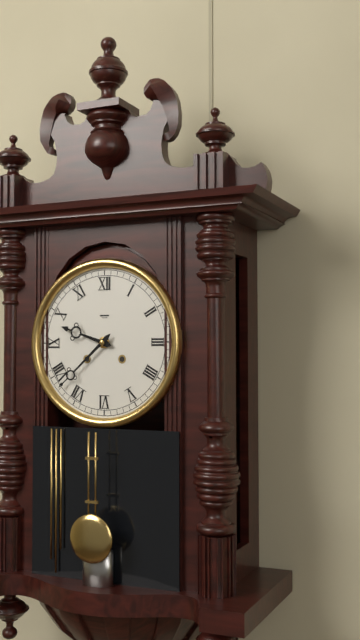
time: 9:38
